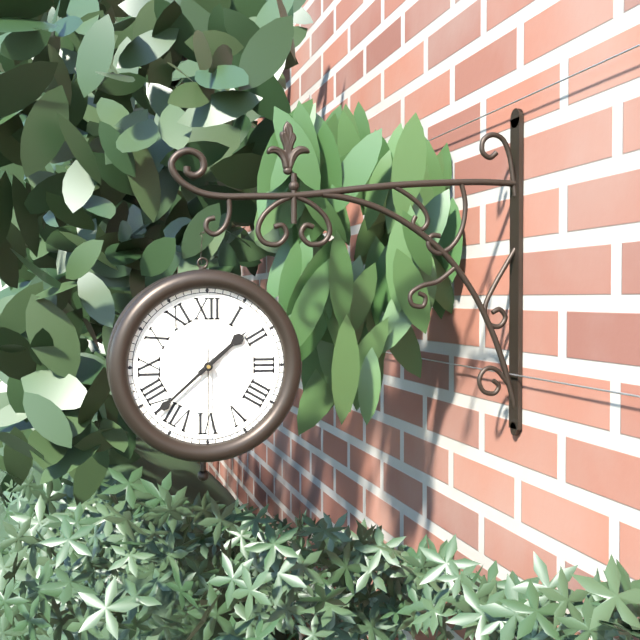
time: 1:38:30
